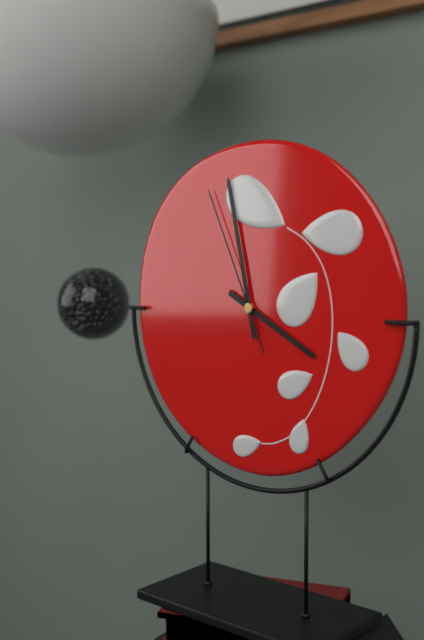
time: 3:58:56
